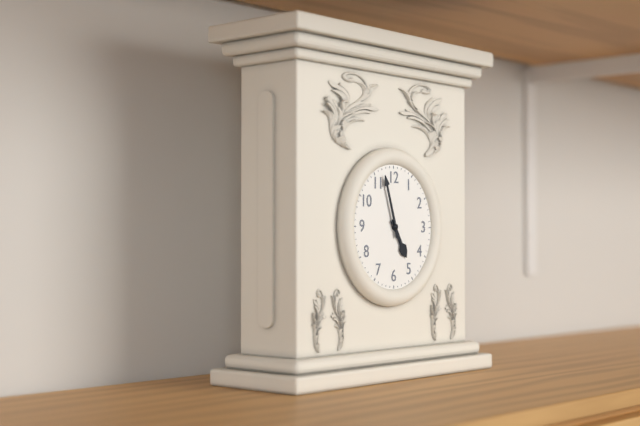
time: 4:57
